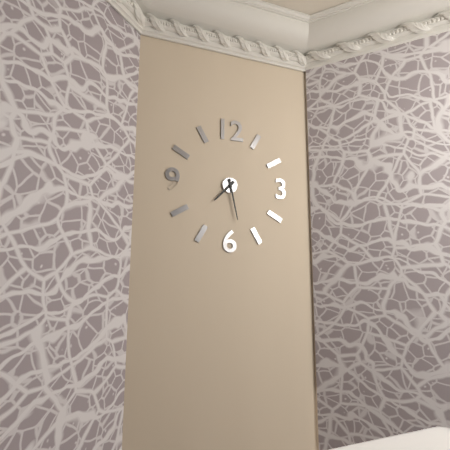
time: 7:28
